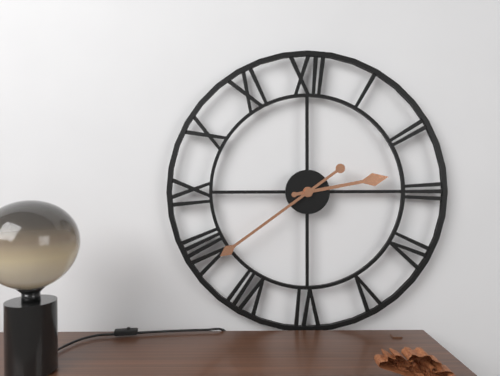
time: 2:39
